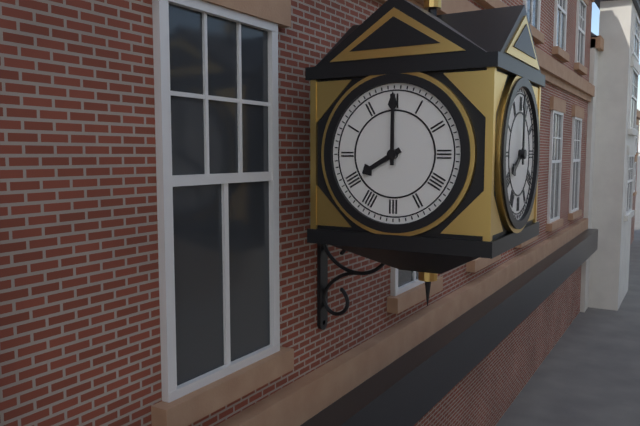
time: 8:00
